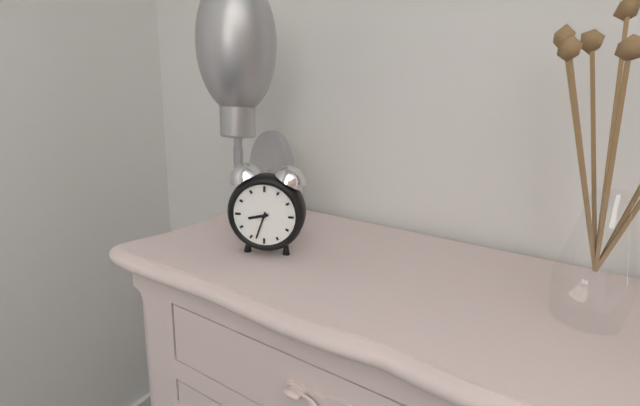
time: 8:33
